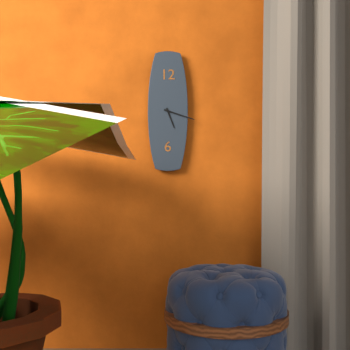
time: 5:18
